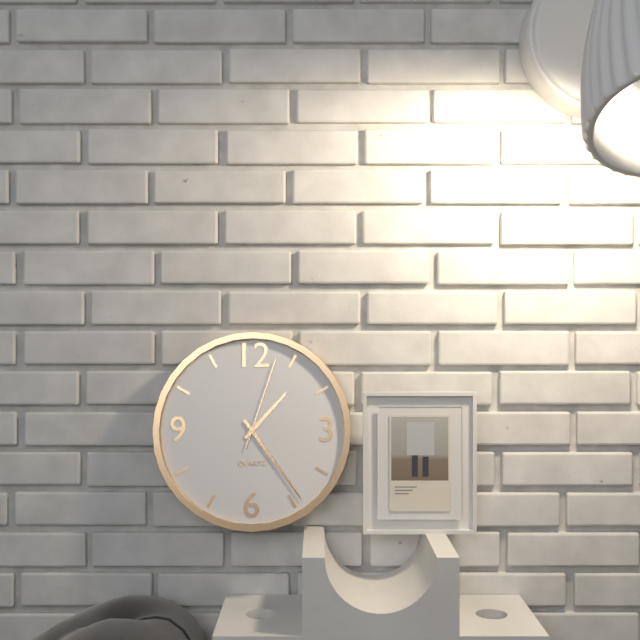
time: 1:24:03
